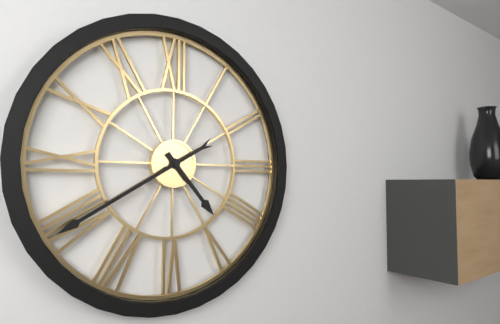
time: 4:40
